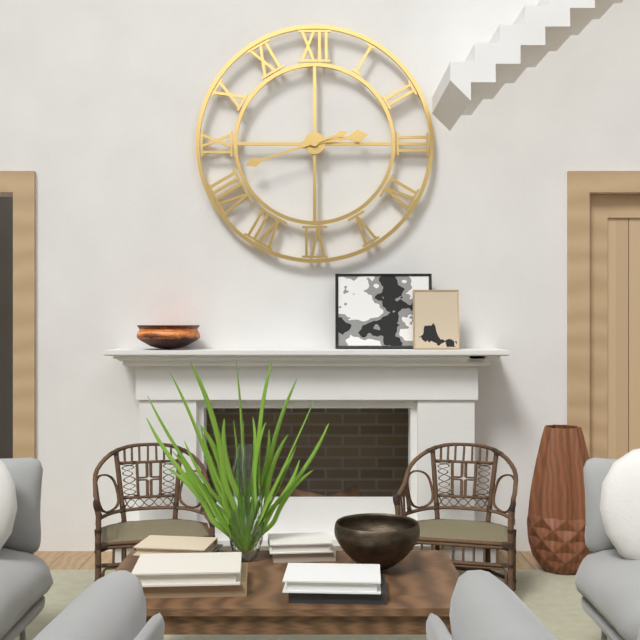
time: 2:42
